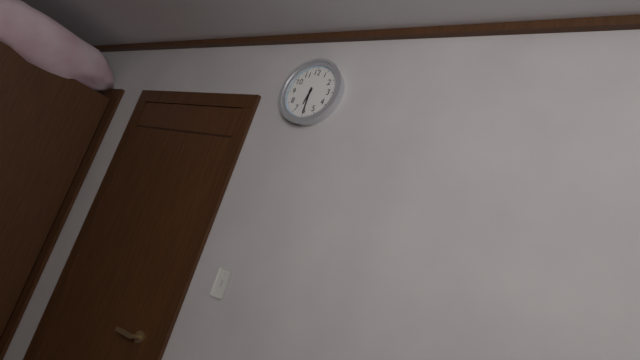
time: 6:30
